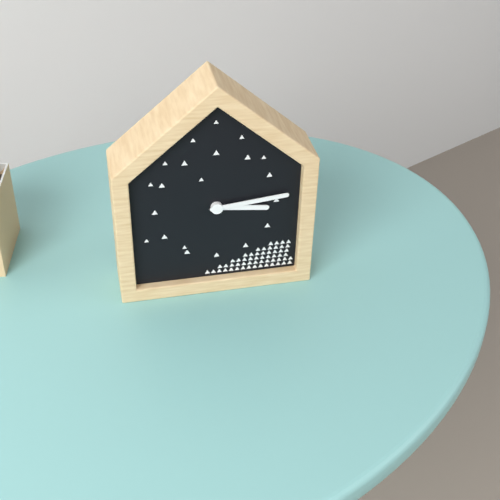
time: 3:14
